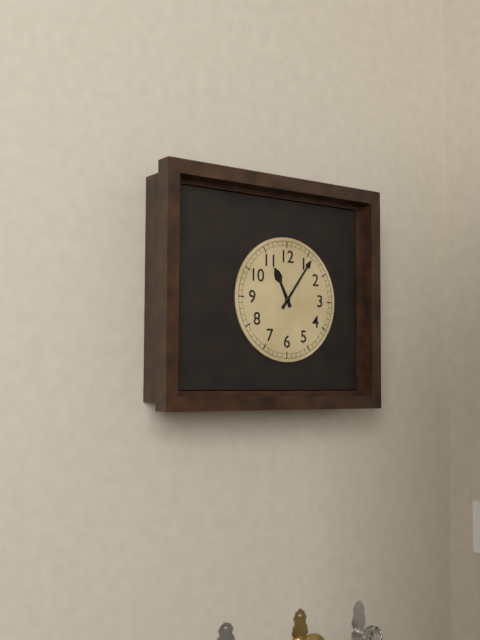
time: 11:06
